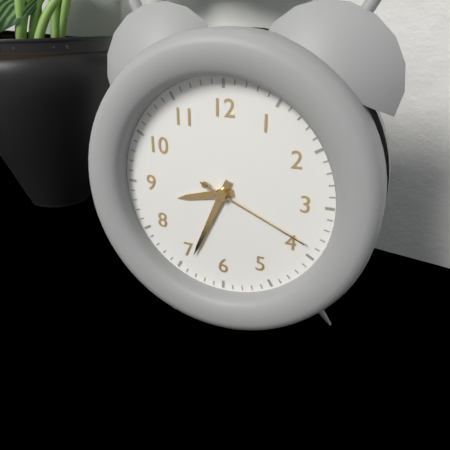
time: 8:34:19
